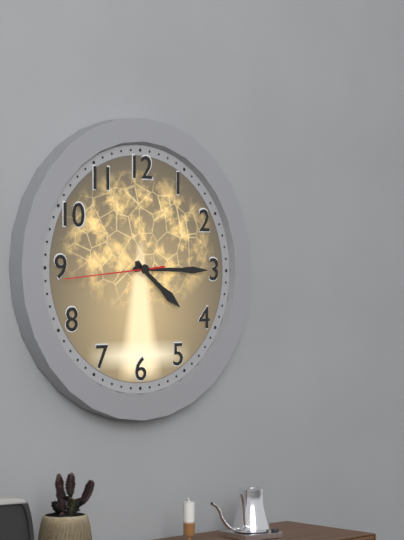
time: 4:15:44
